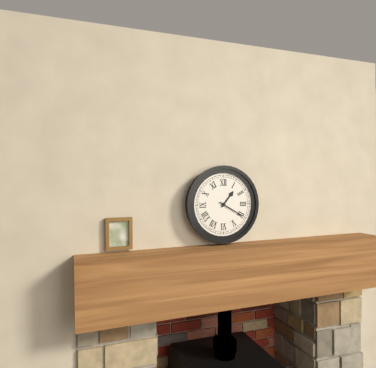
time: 1:20
